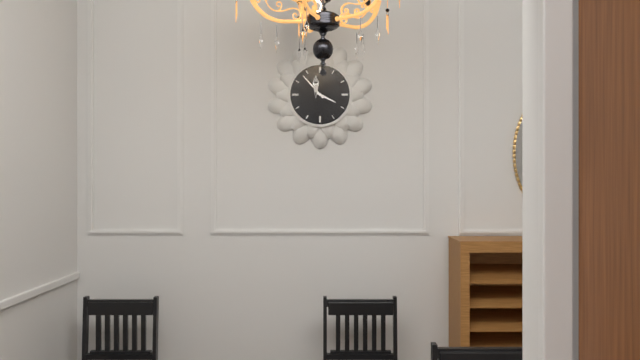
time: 3:53
